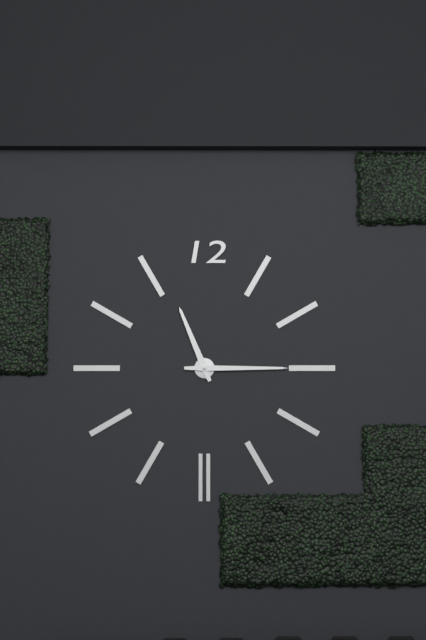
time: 11:15
